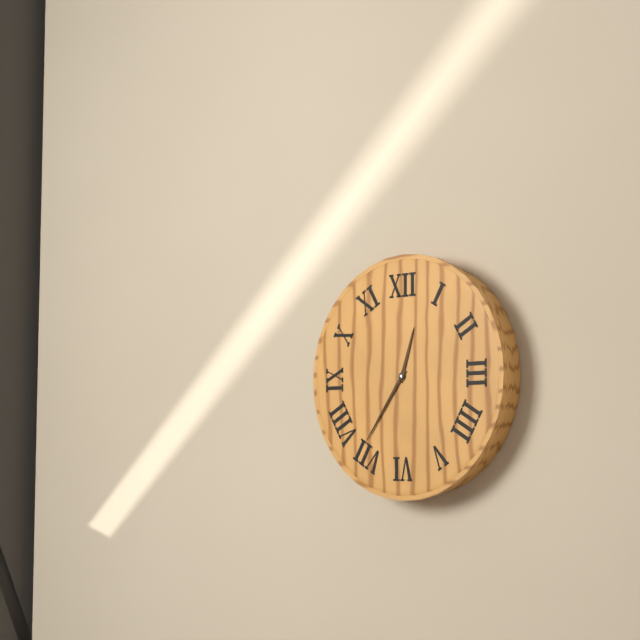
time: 12:36
